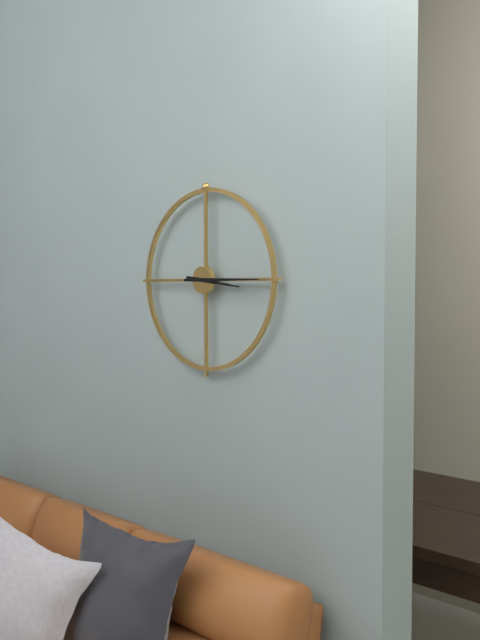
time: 3:15
